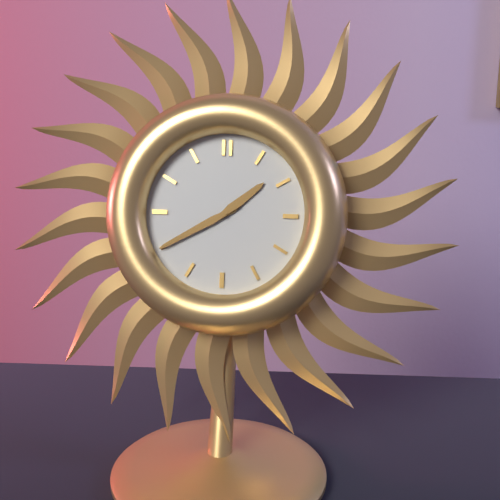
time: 1:40
